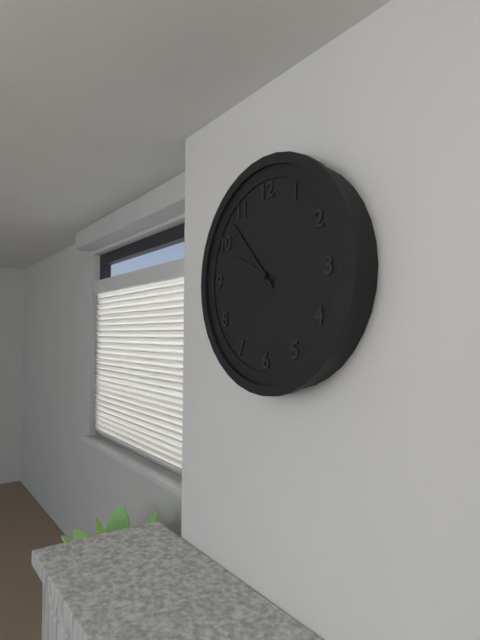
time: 9:53
